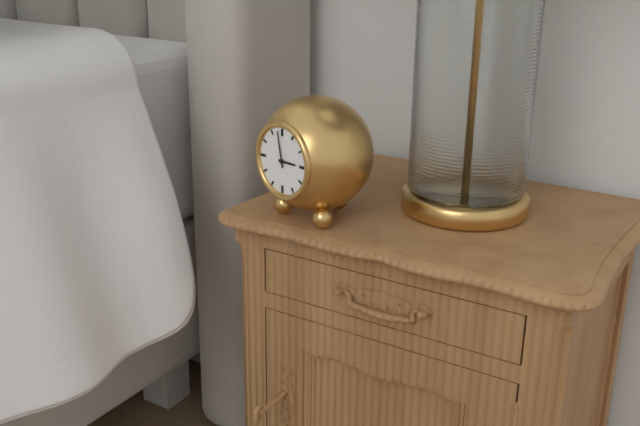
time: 2:58
